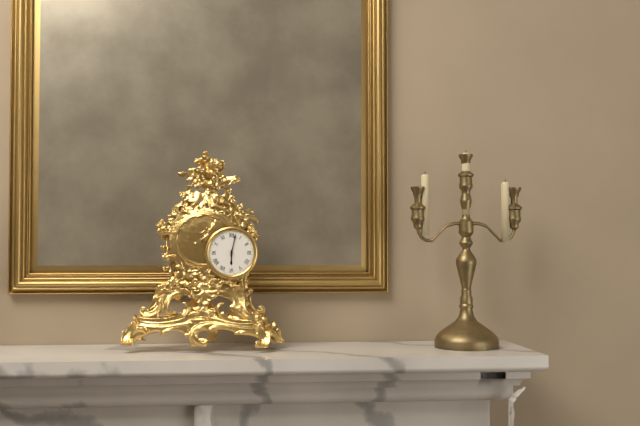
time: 6:02
